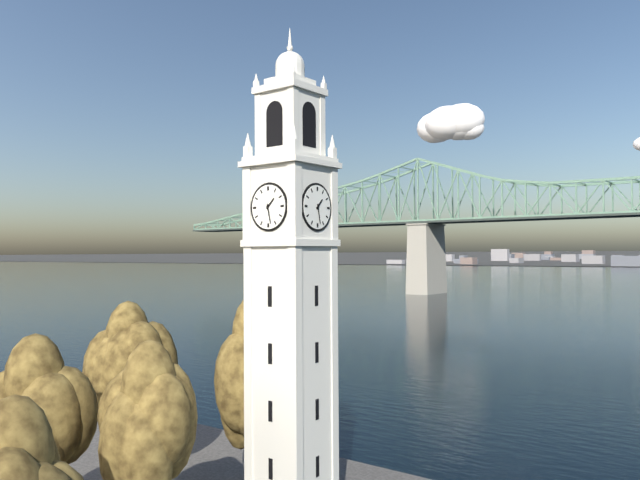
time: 1:28
